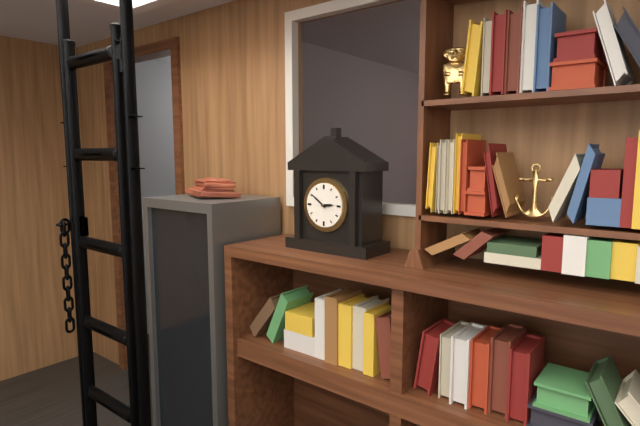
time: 2:51
